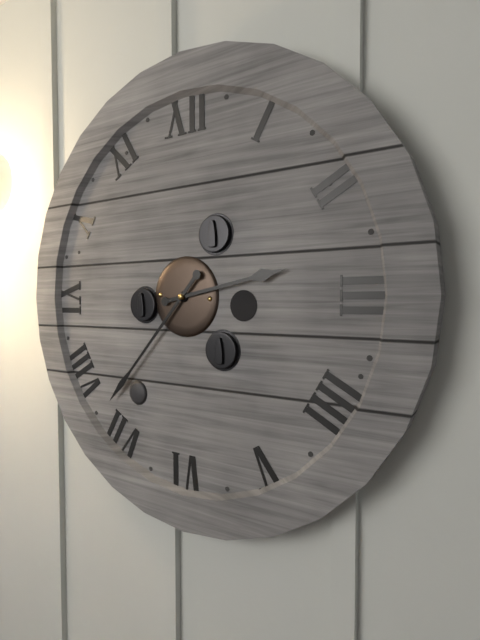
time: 2:37
